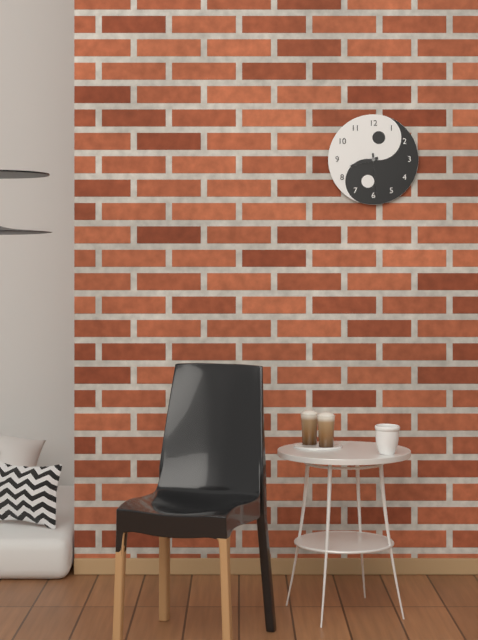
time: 8:29
